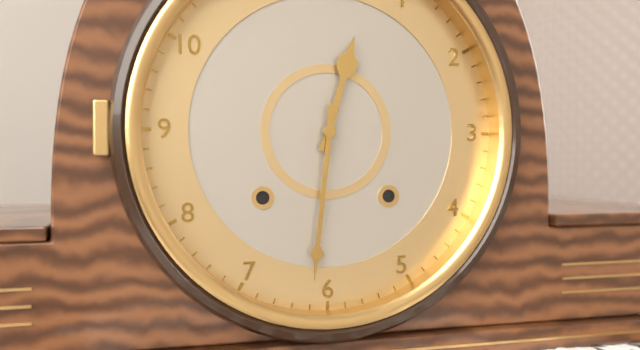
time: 12:31
